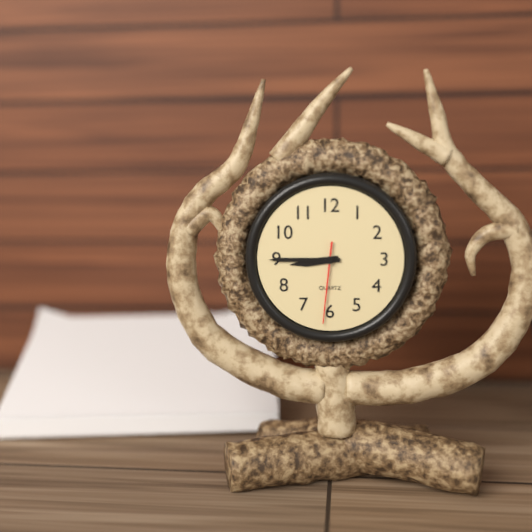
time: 8:45:31
